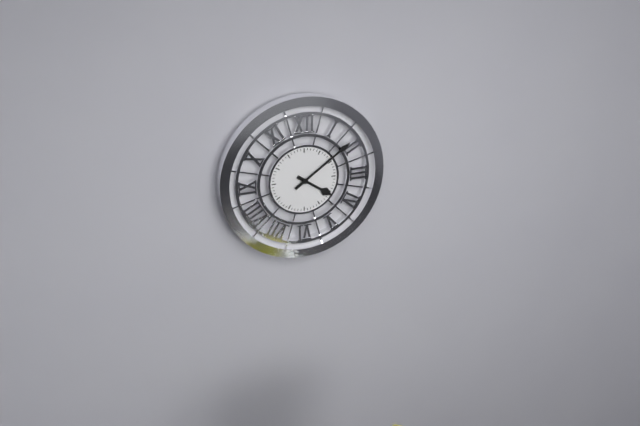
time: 4:09
